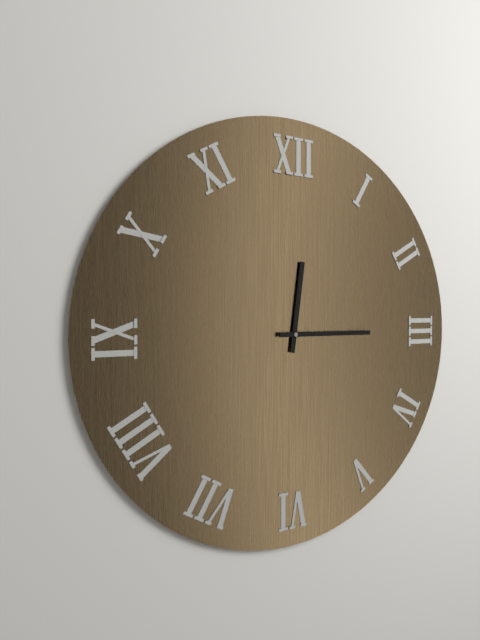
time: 12:15
